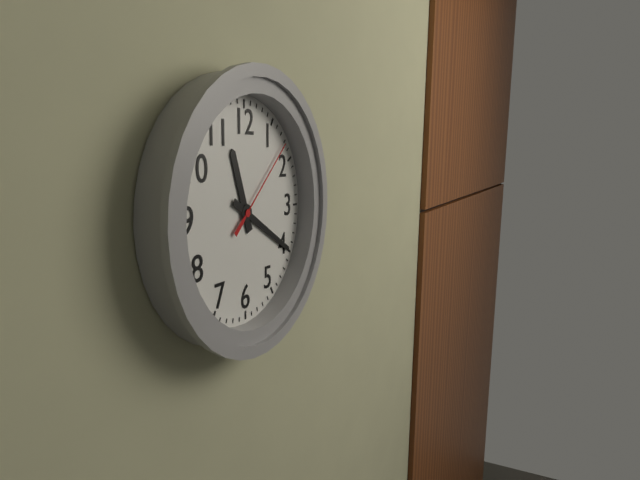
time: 11:20:08
